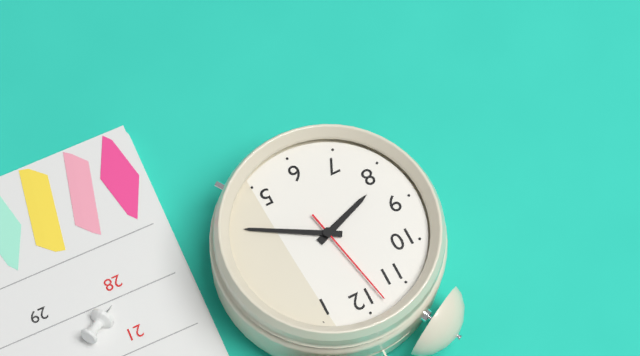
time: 8:20:58
